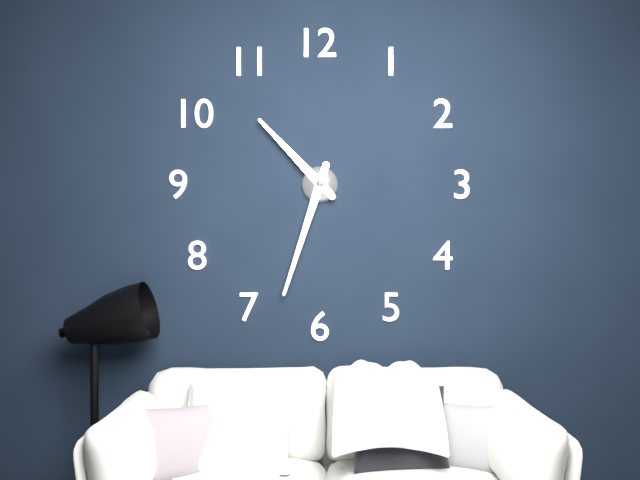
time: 10:33
